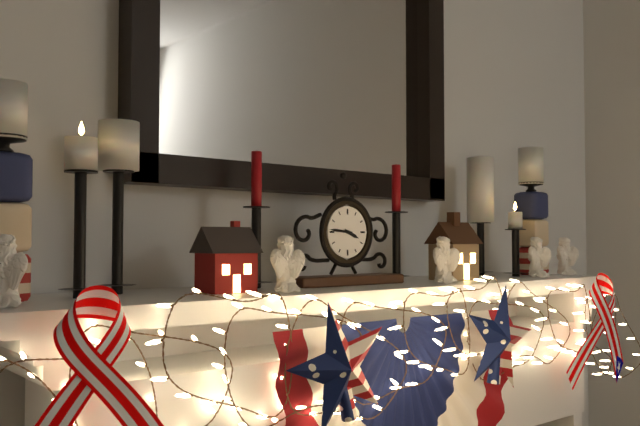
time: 3:46
